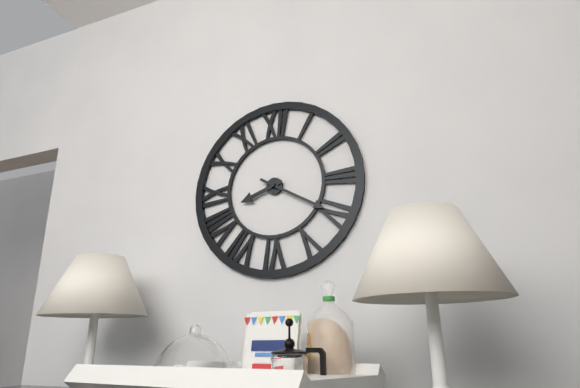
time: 8:20
